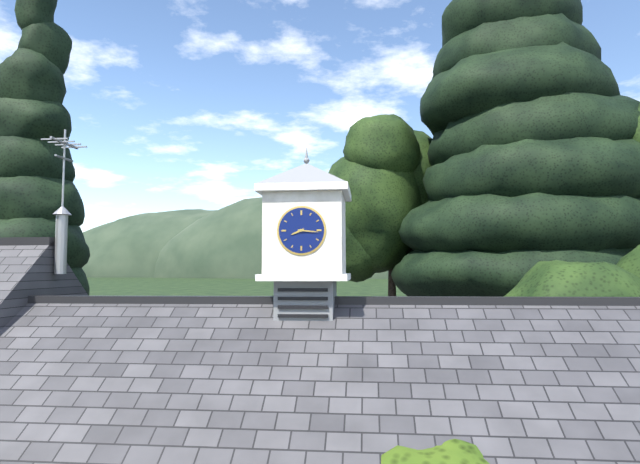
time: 8:16
